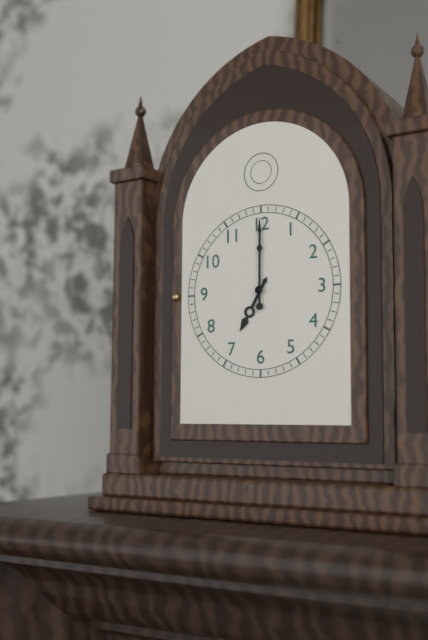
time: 7:00
